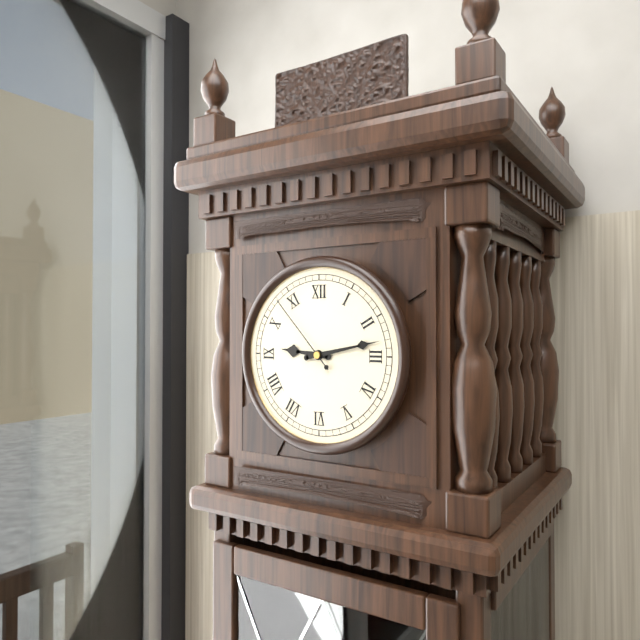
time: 9:13:53
